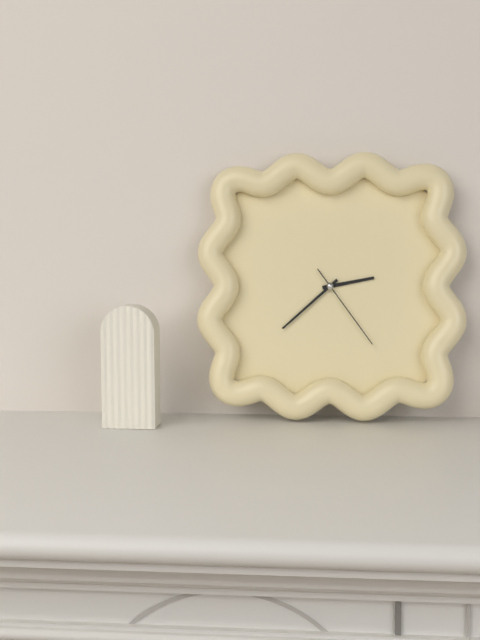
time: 2:38:24
